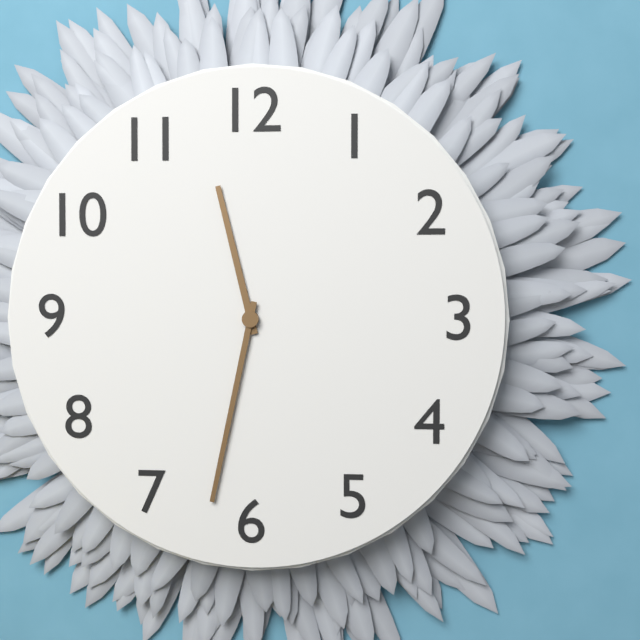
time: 11:32
